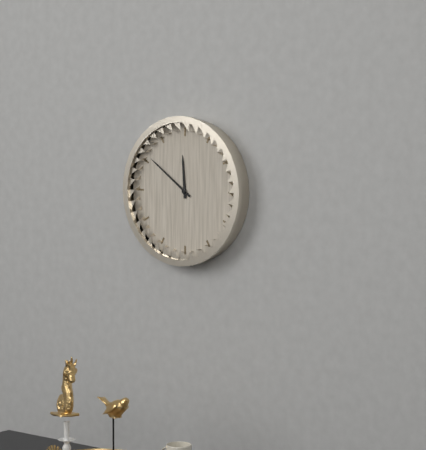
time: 11:51
